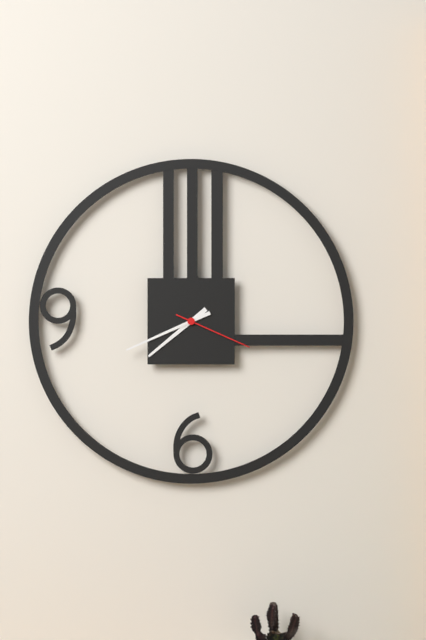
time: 7:41:19
